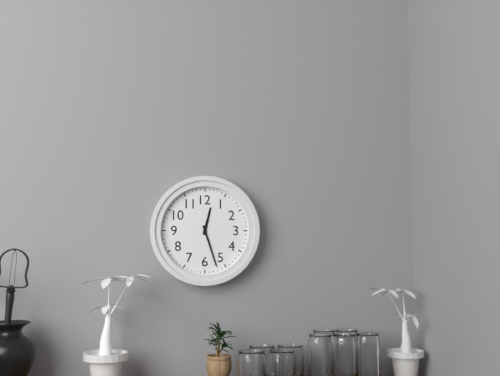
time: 12:27
